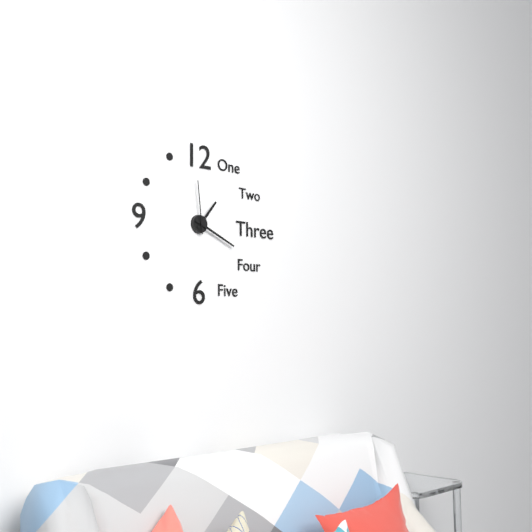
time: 1:19:59
